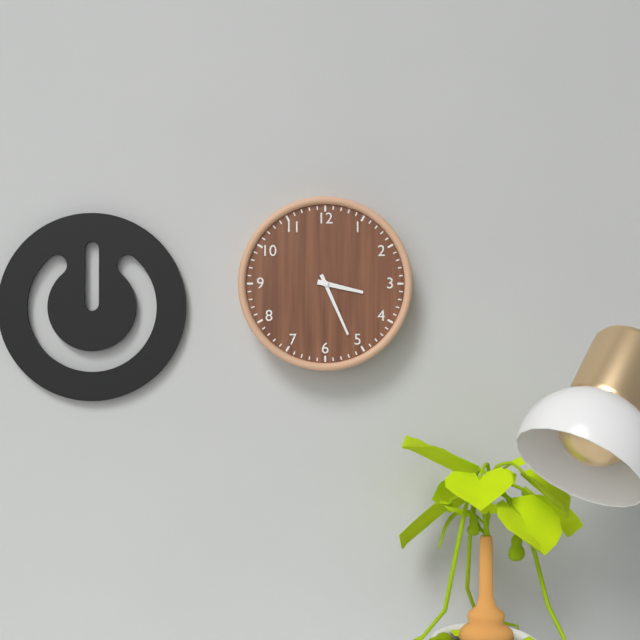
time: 3:26
